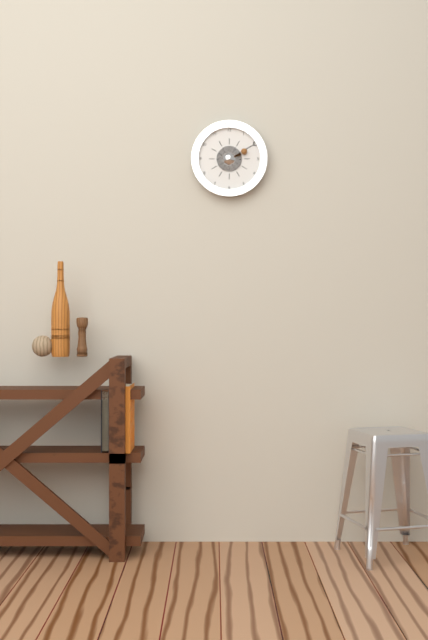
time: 2:10
